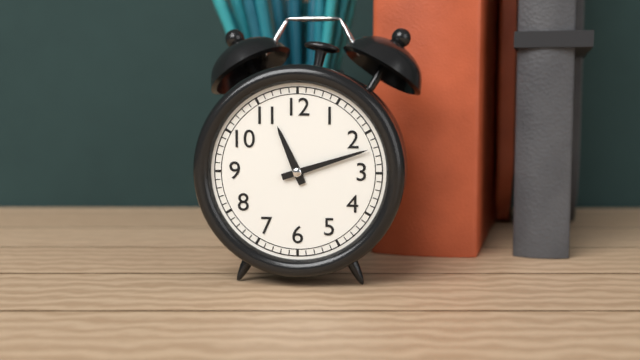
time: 11:12
